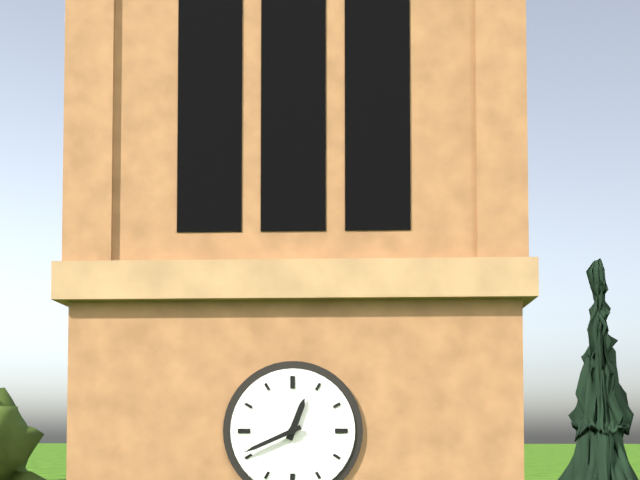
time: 12:41
